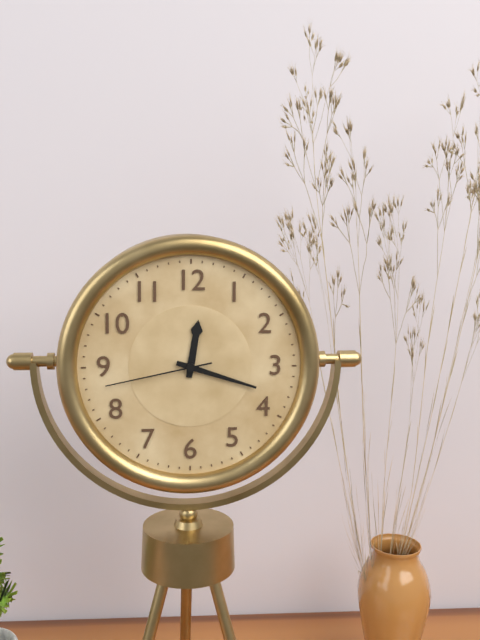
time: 12:18:43
